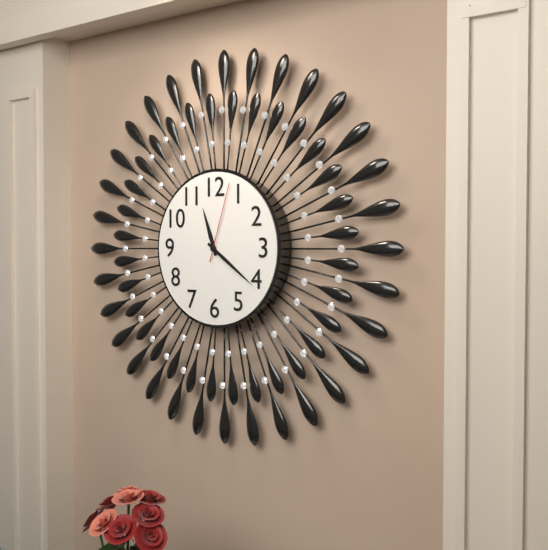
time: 11:21:03
